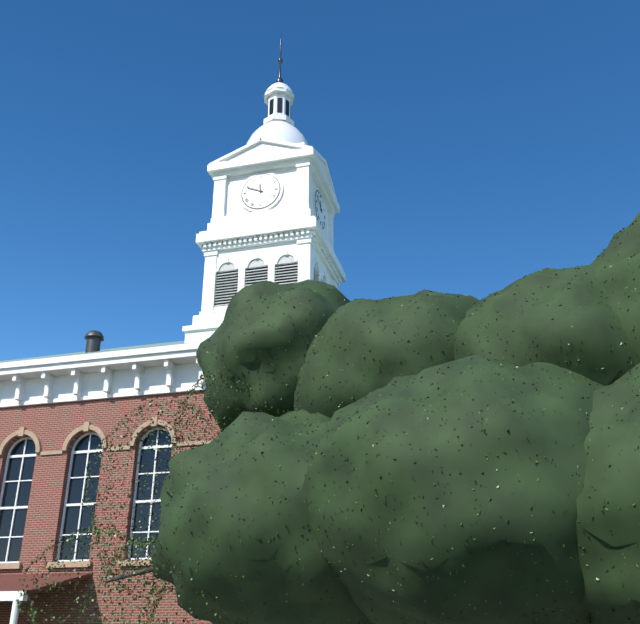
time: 11:49
